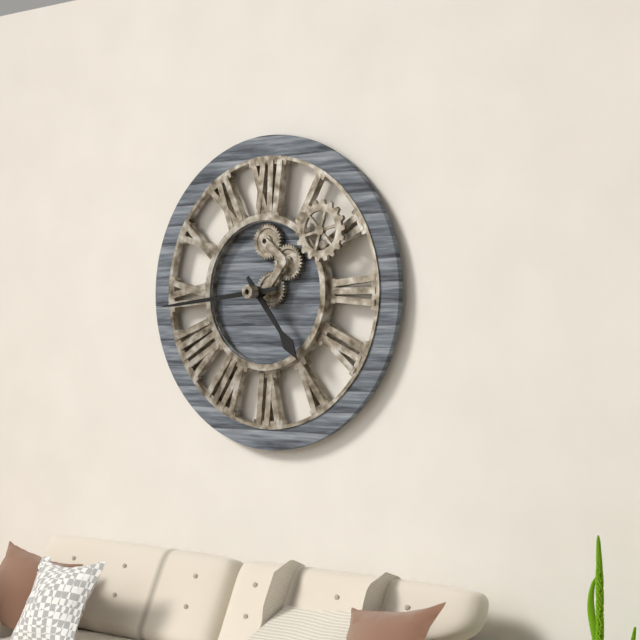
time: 4:44
